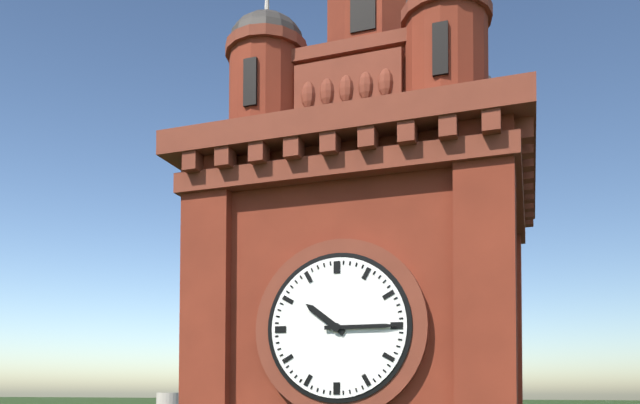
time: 10:15
